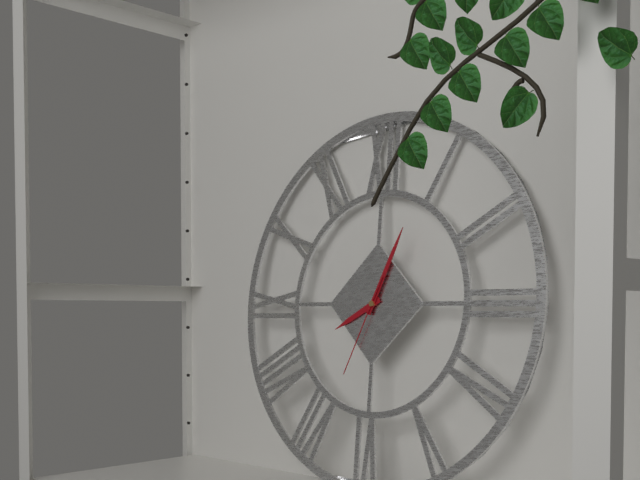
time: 8:04:34
